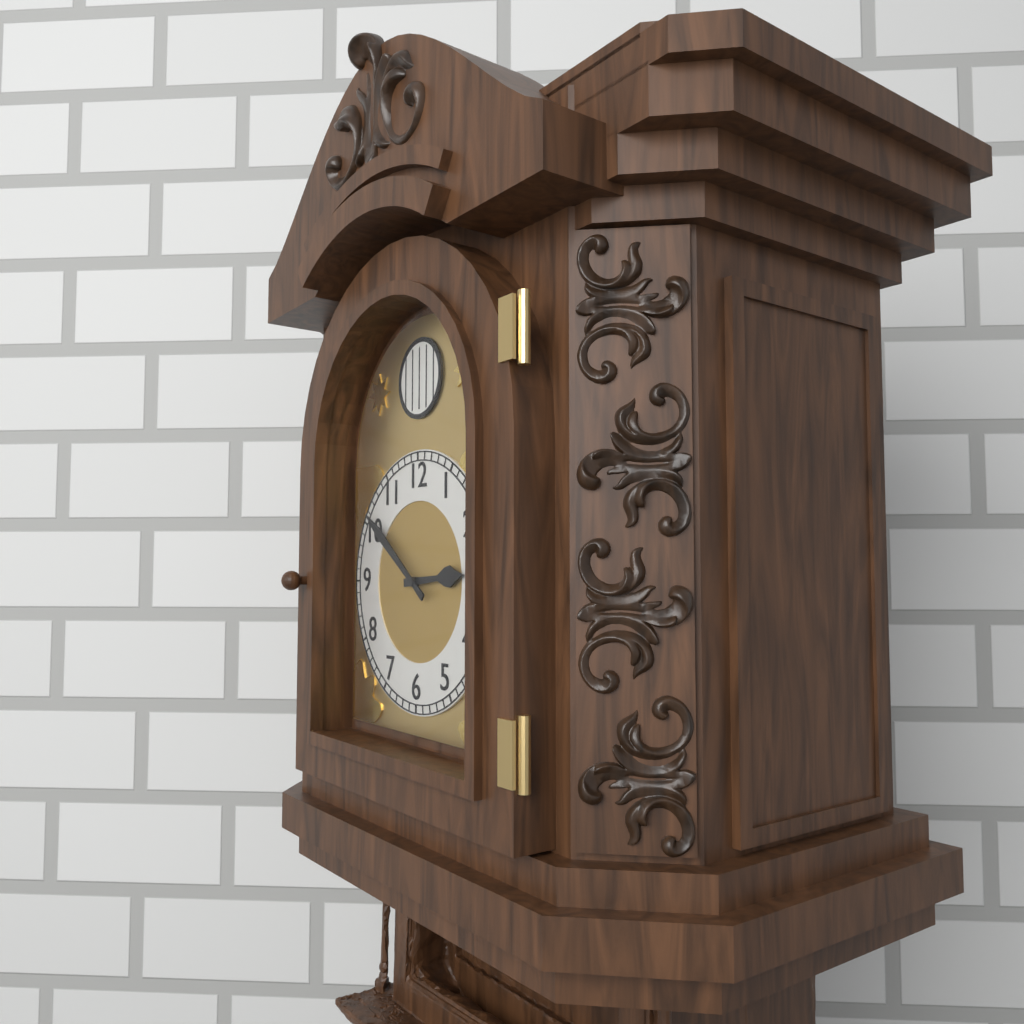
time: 2:51
